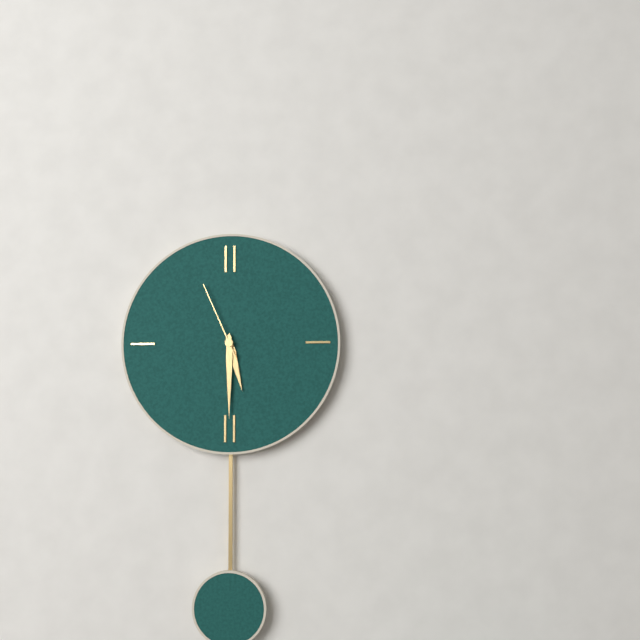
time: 5:30:56
